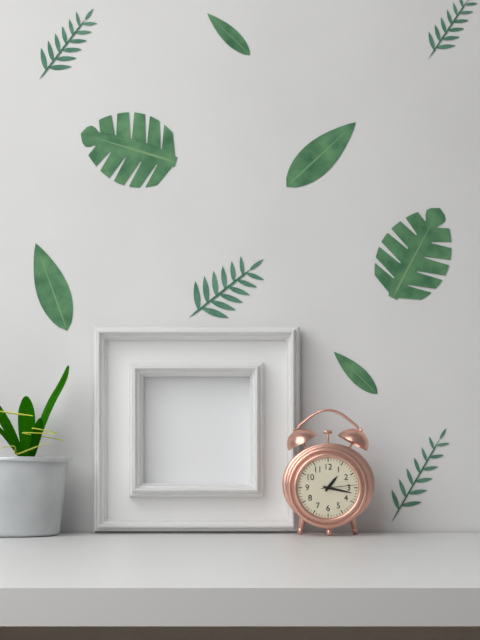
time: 1:17
